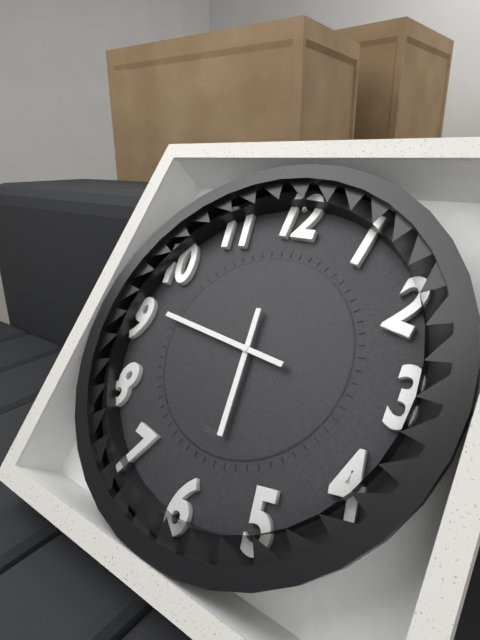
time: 5:46
